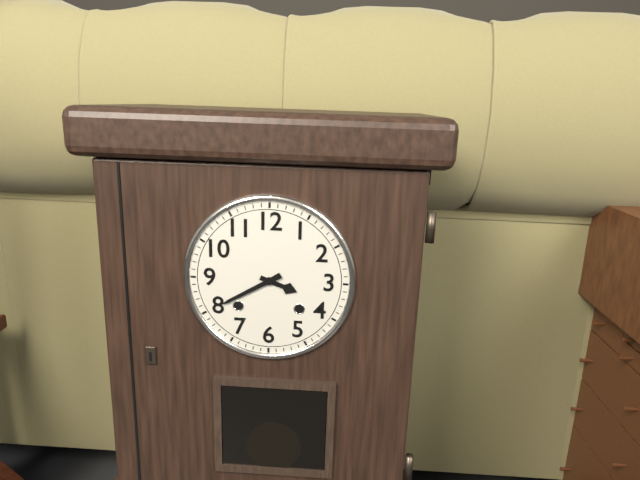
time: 3:40
